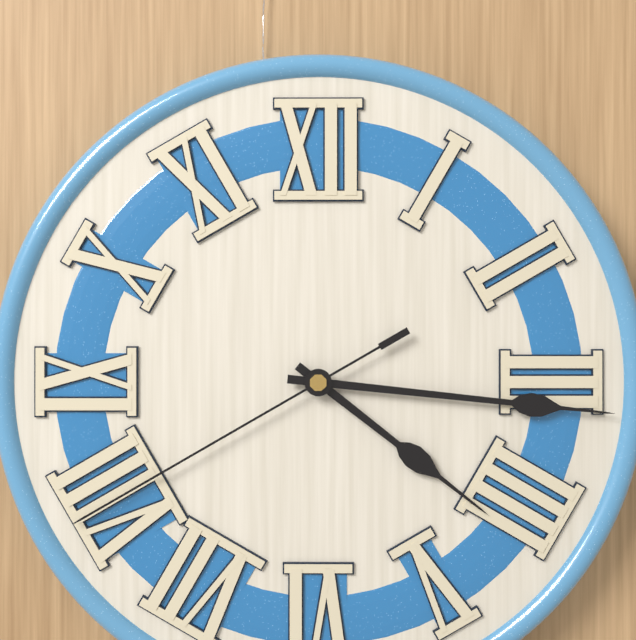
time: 4:16:40
